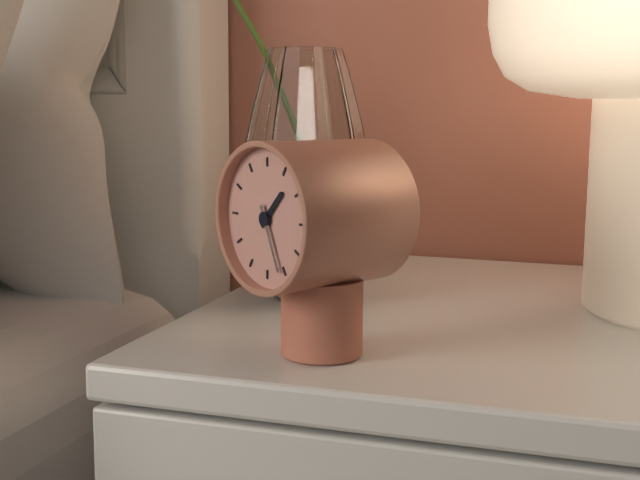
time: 1:26
